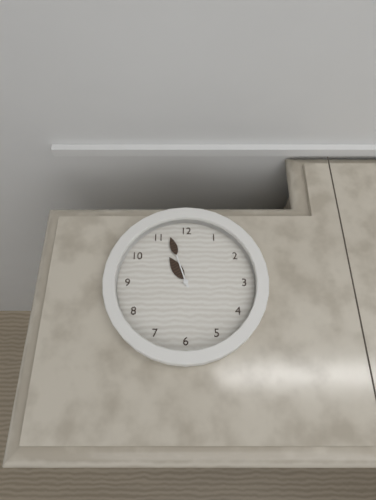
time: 10:57
